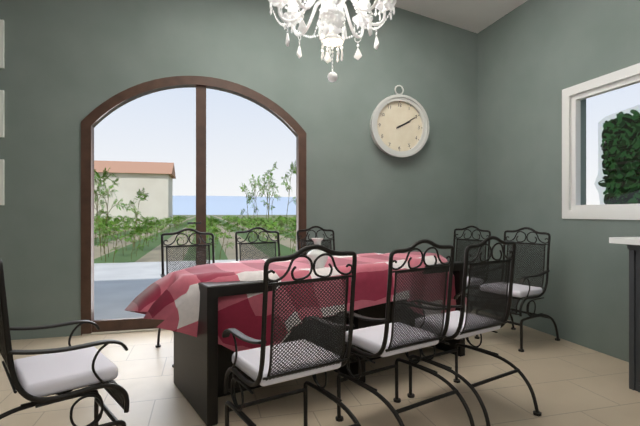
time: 2:10
